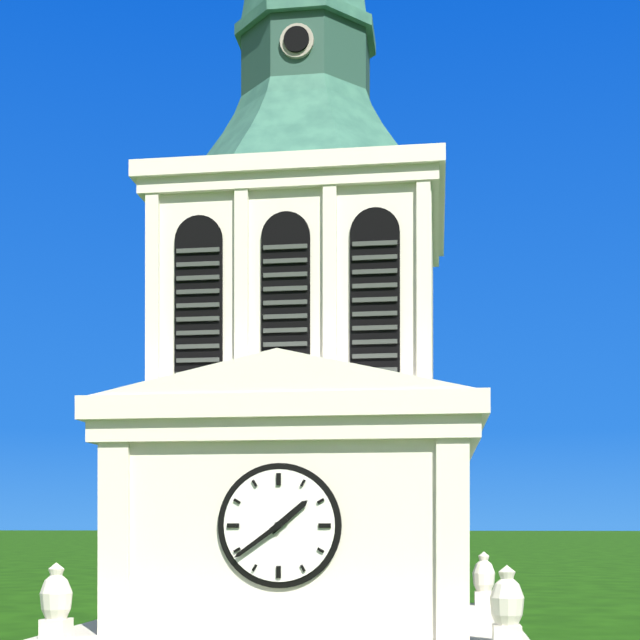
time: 1:39
